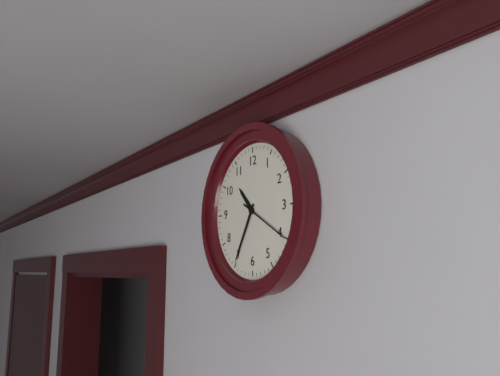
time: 10:35:20
